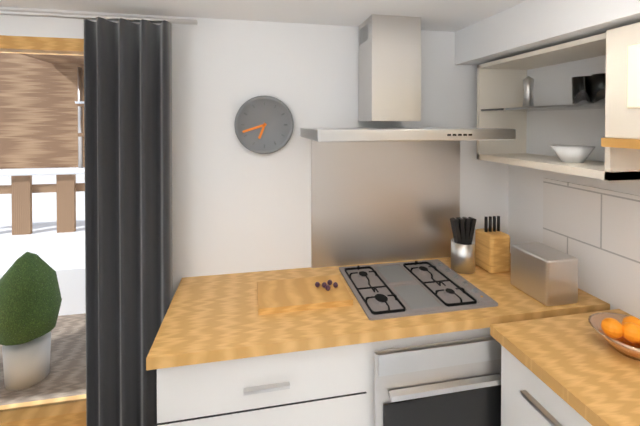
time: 6:42
